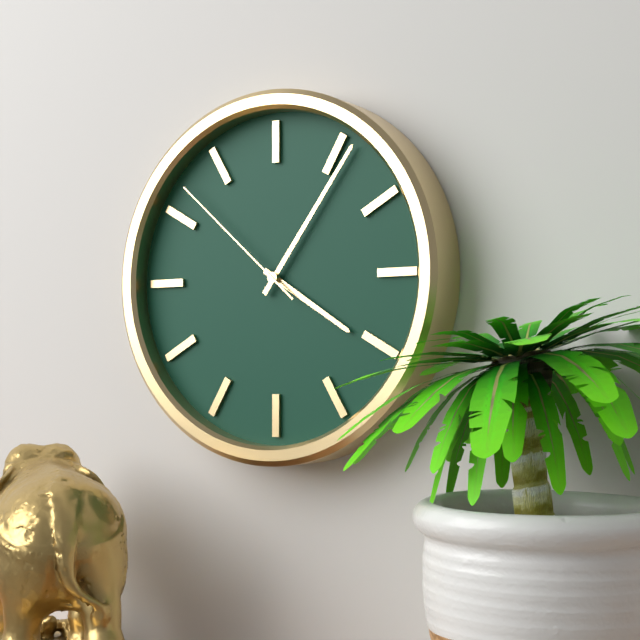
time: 4:06:52
